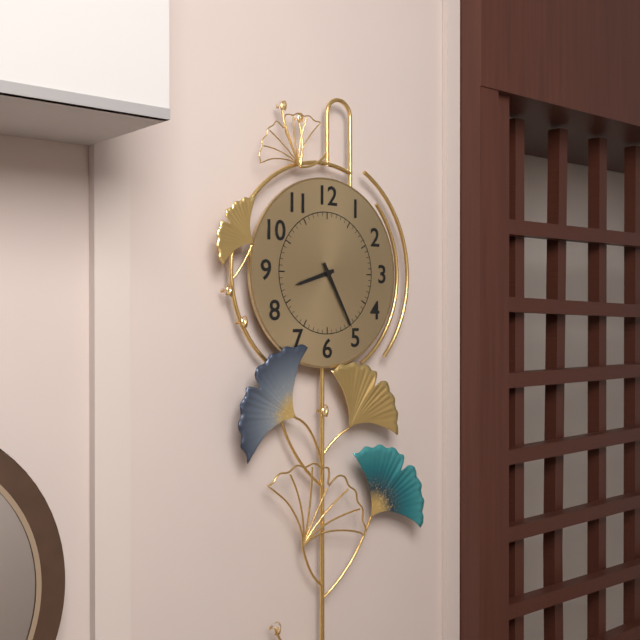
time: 8:25
